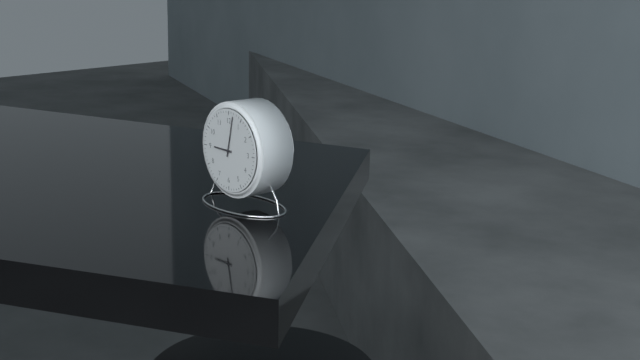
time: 9:02
